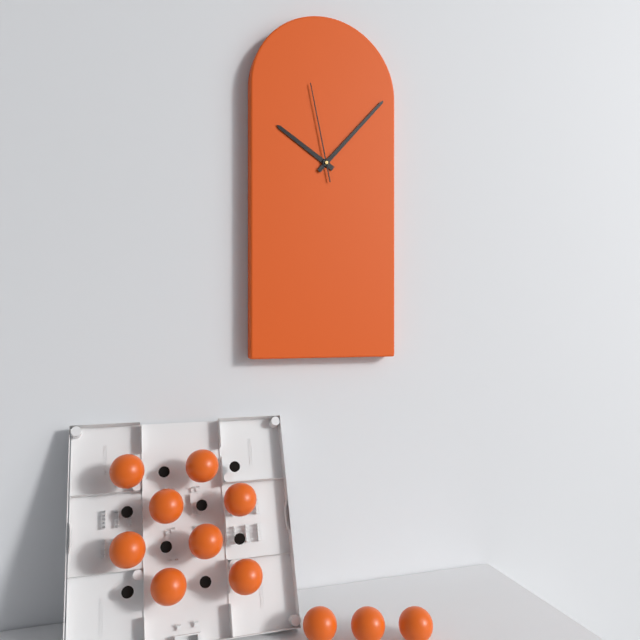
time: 10:07:58
